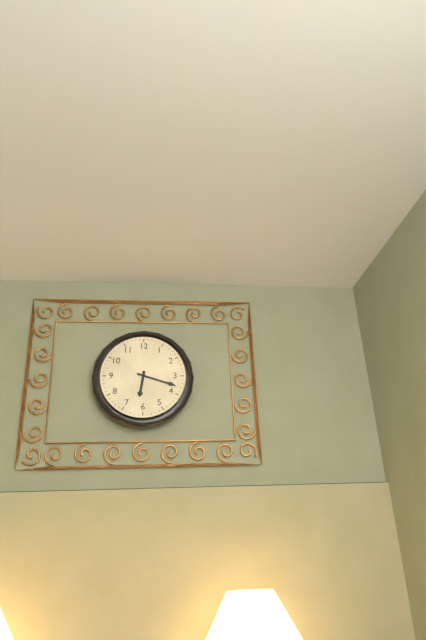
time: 6:18
